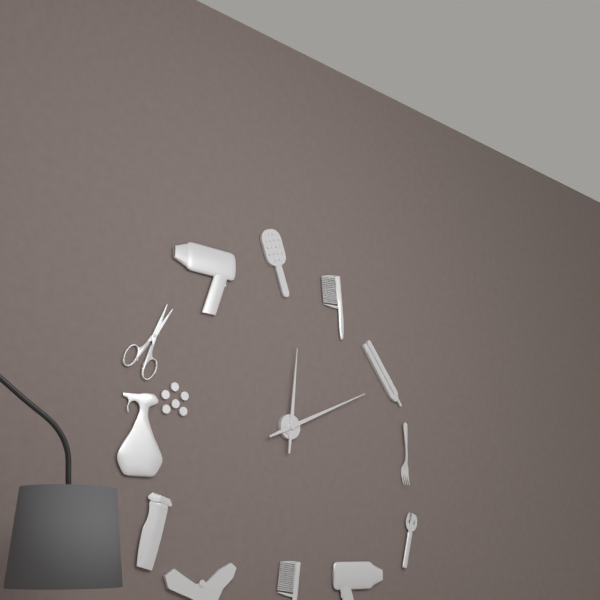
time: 12:11
